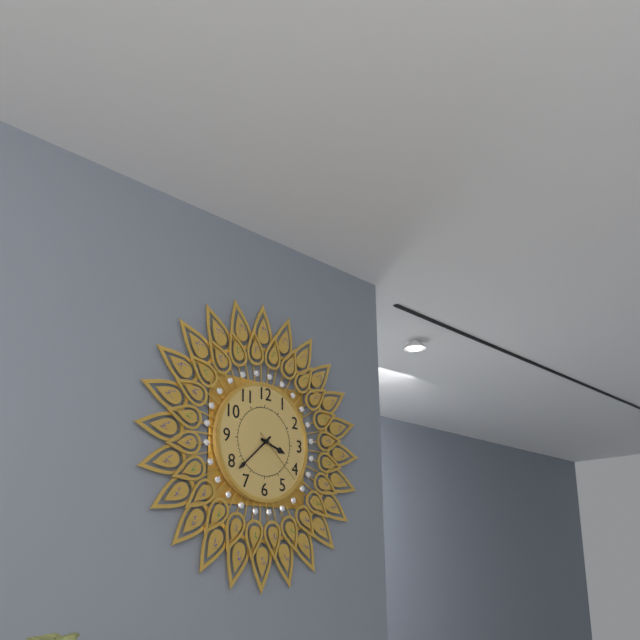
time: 3:38:22
